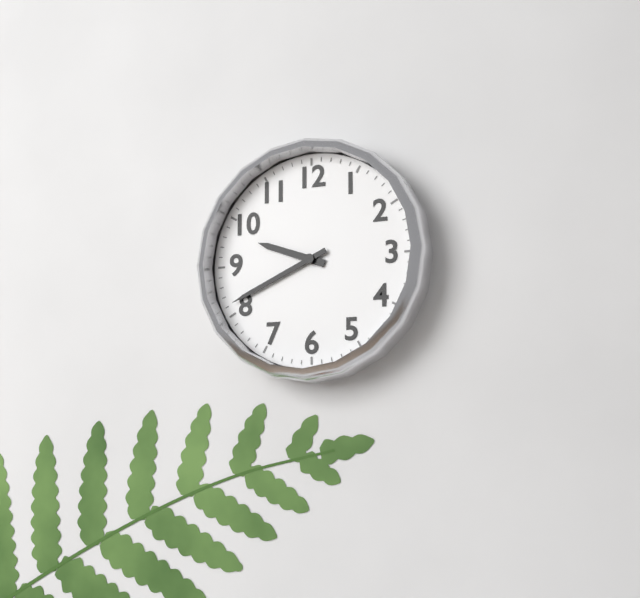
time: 9:41
